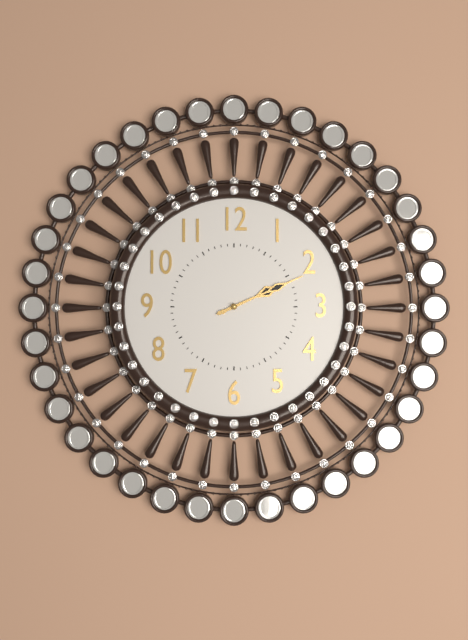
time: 2:11
